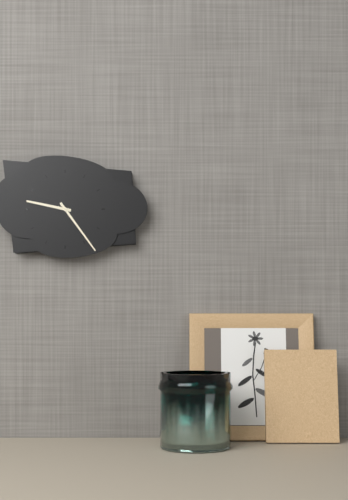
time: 9:24
